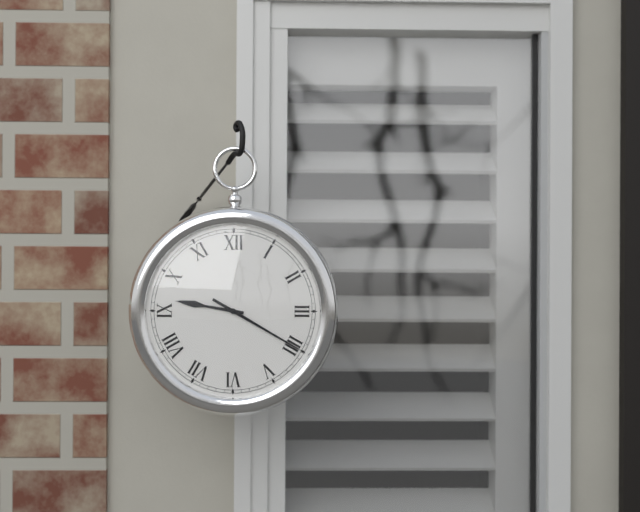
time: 9:20
